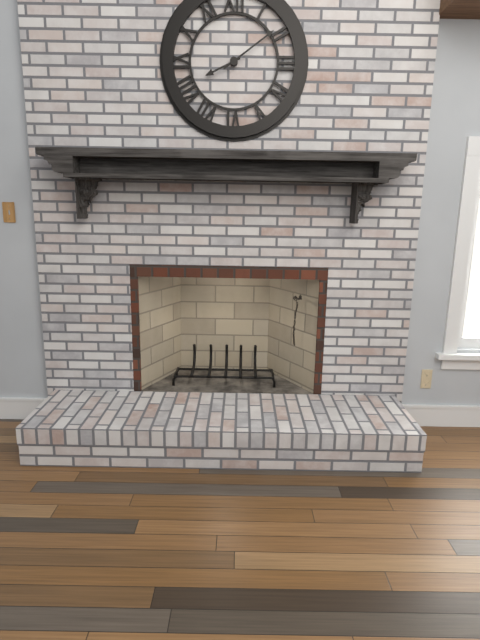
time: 8:09
